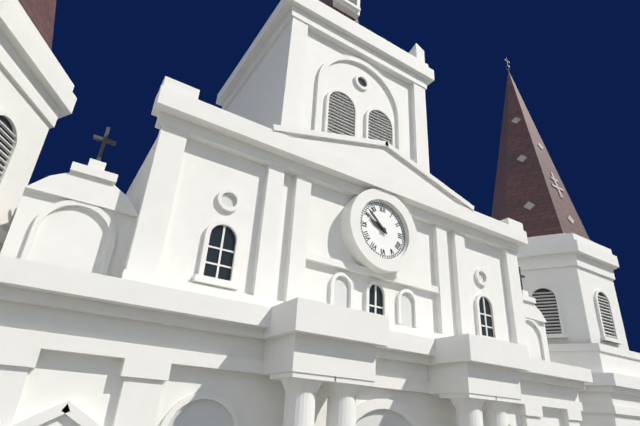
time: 9:52
